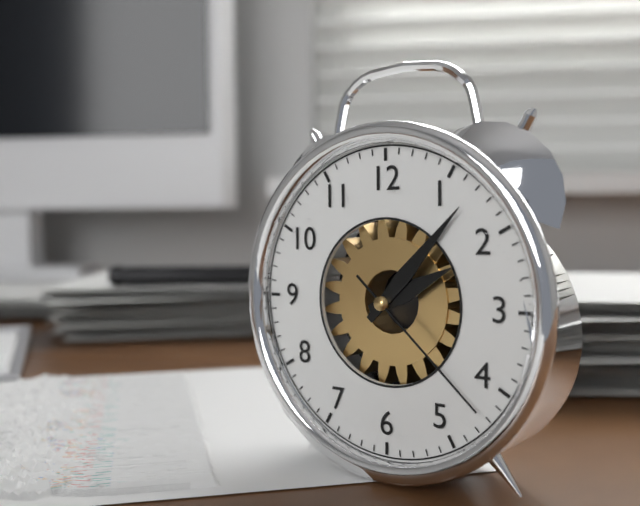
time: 2:07:22
